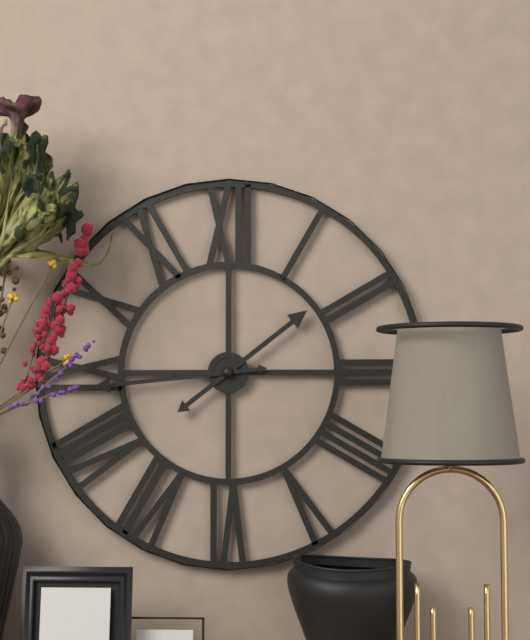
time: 1:44
